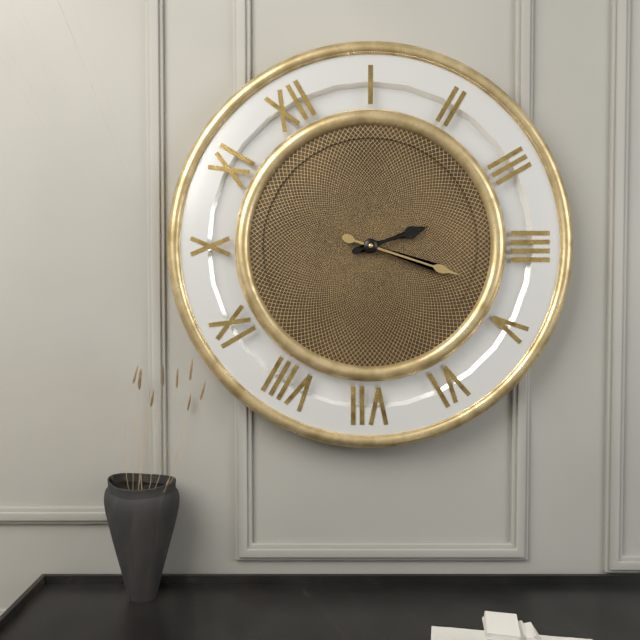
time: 3:23
